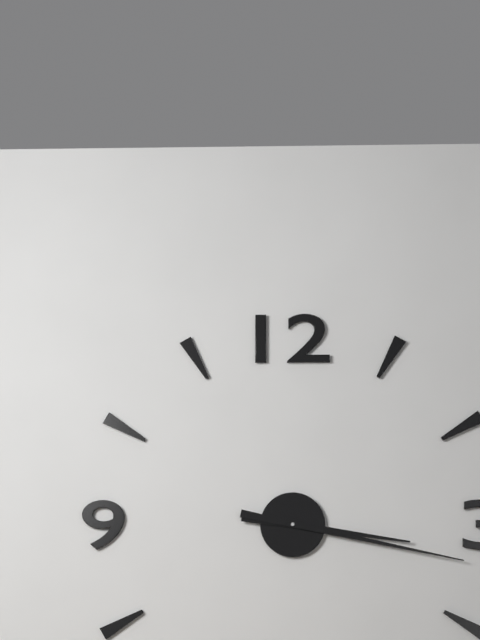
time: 3:17
